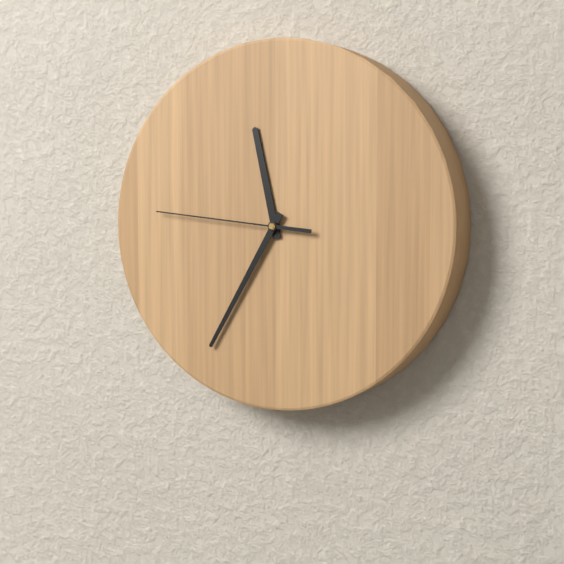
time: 11:35:46
